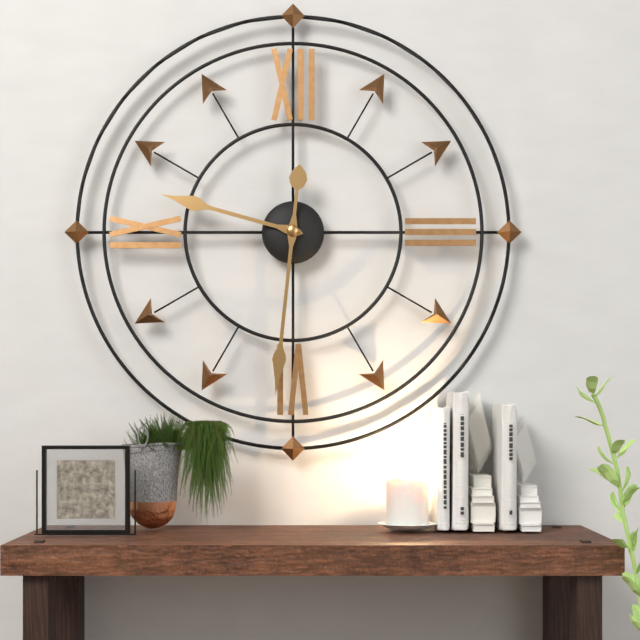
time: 9:31
